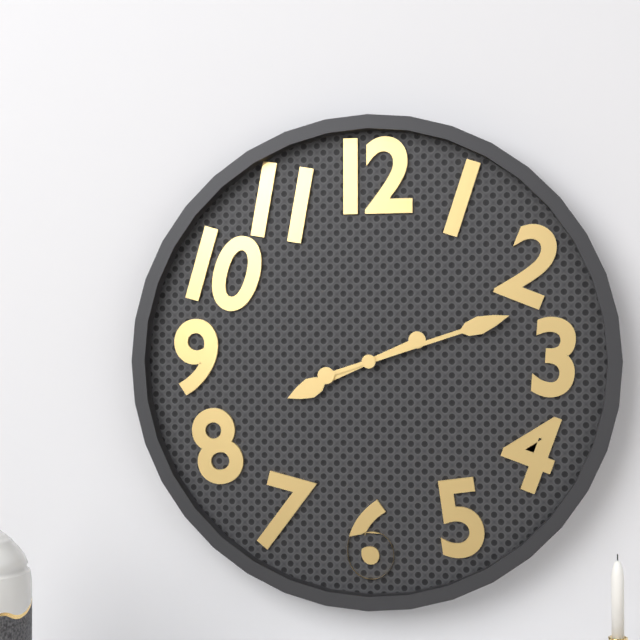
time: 8:12
